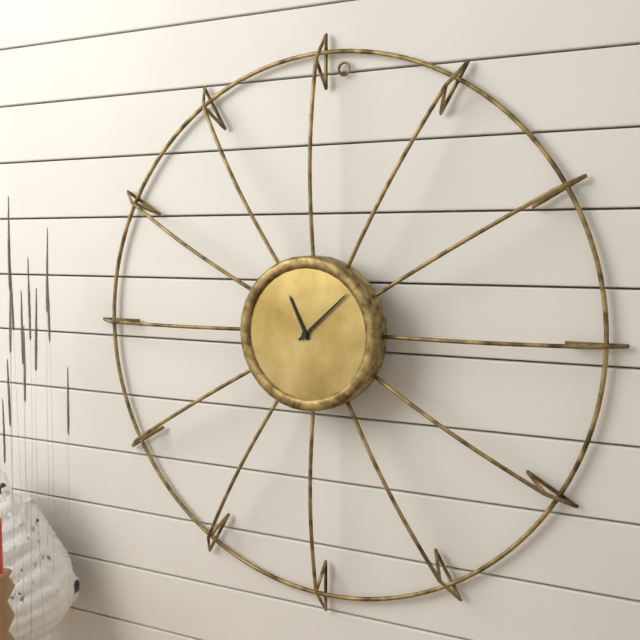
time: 11:08
